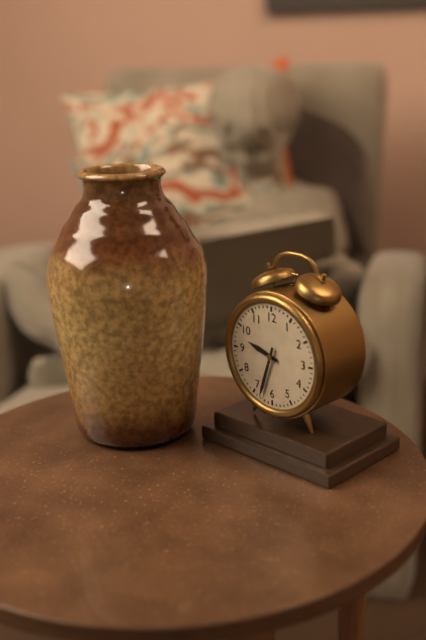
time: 9:33
